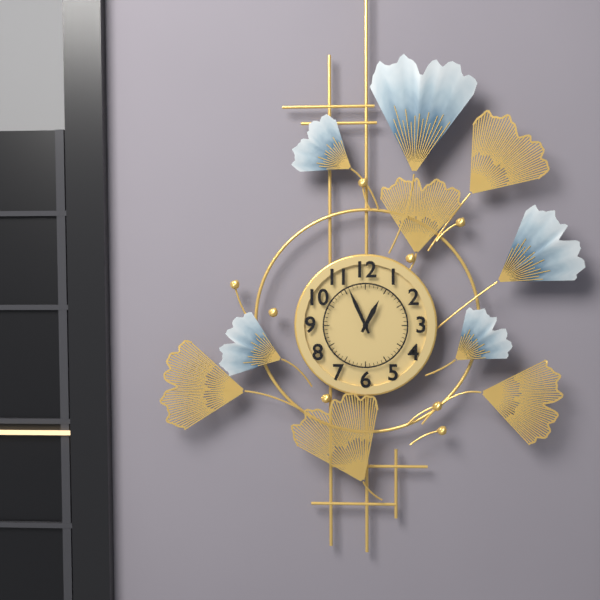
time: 12:56
